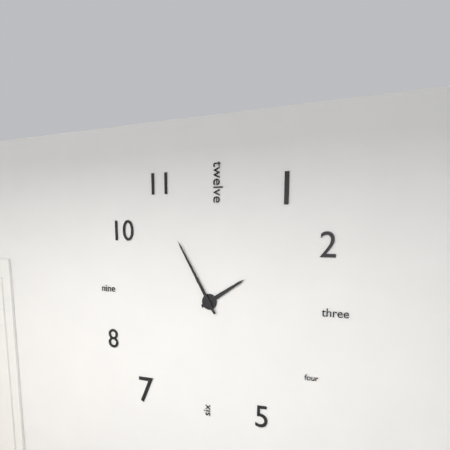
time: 1:55
